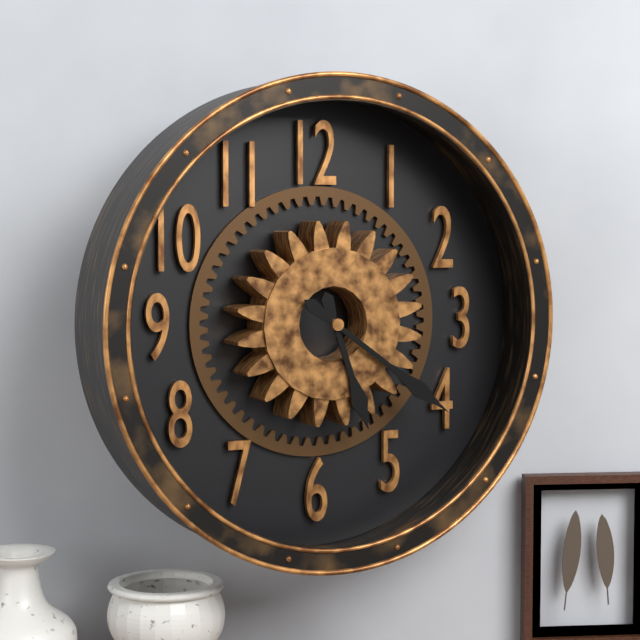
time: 5:21
